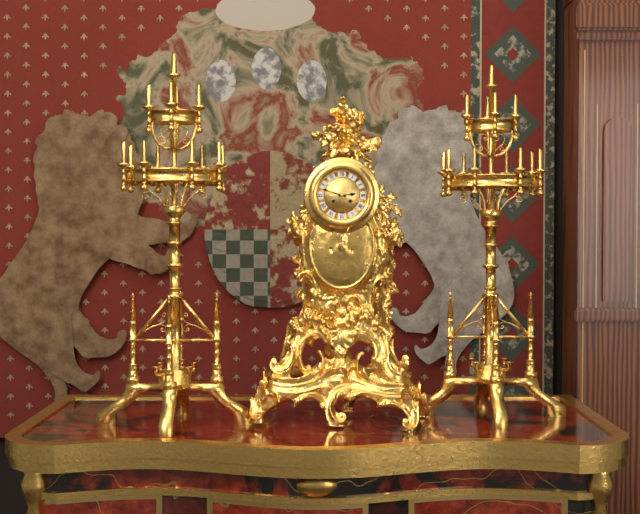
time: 2:48
